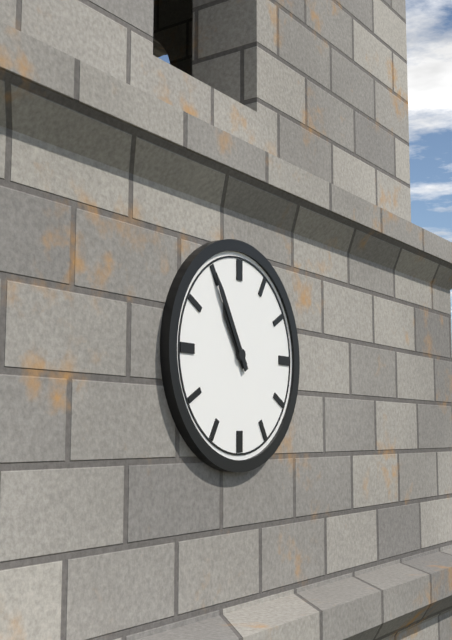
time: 10:55
